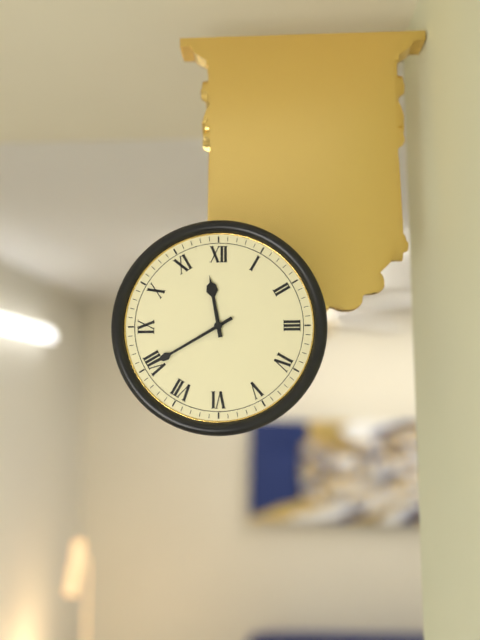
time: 11:40
